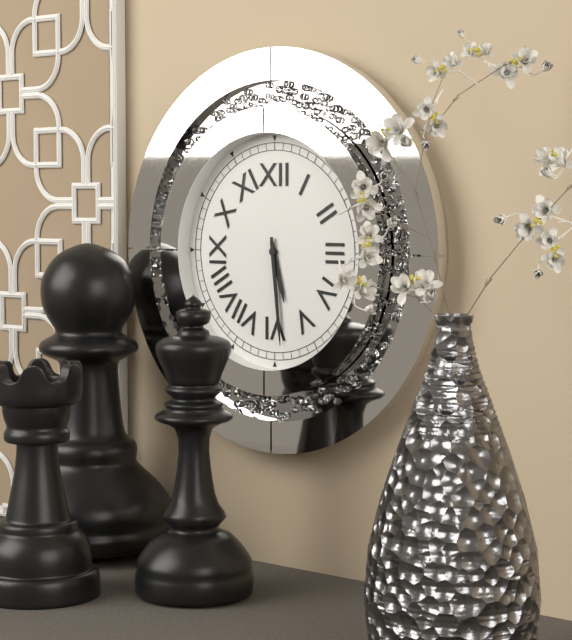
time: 5:29
